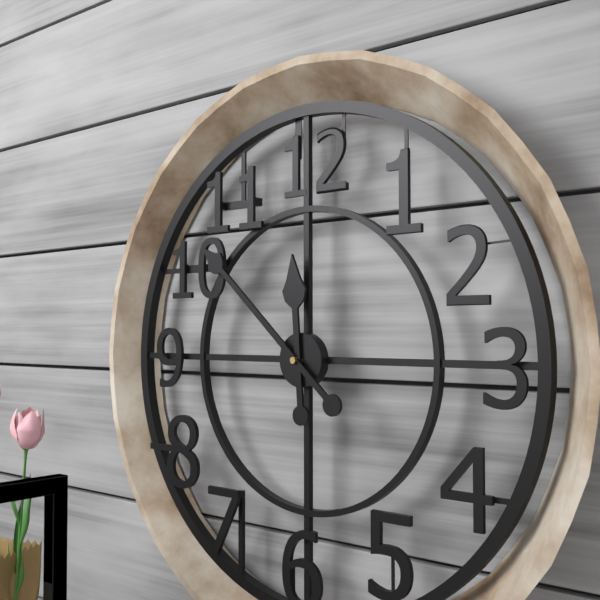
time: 11:52
